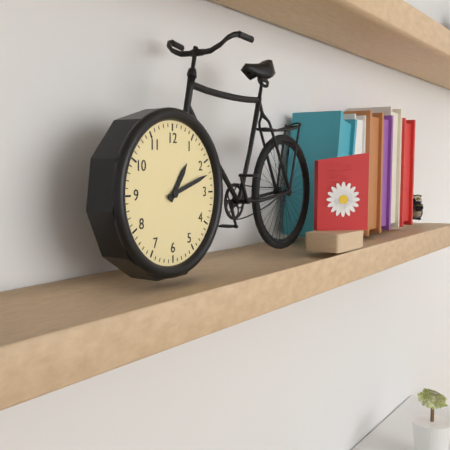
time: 1:12
